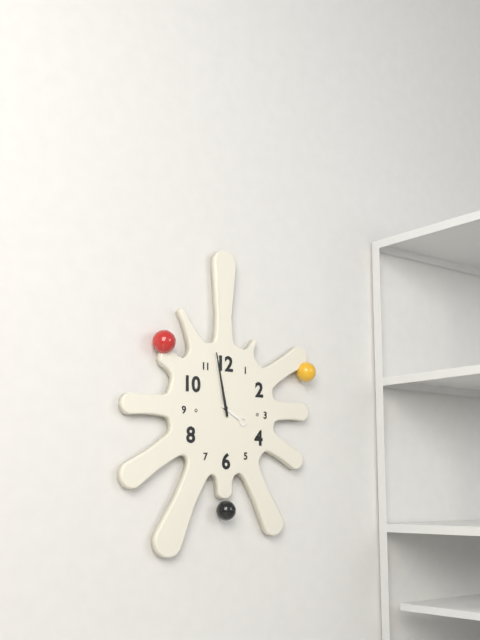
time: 3:58
